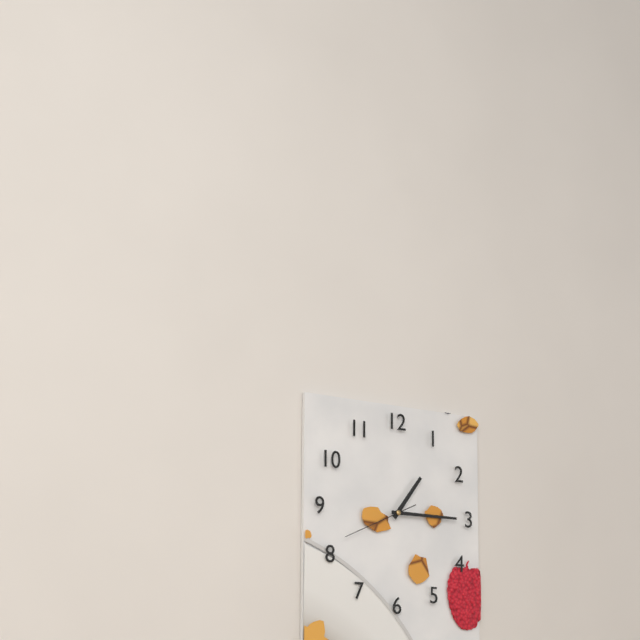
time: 1:15:41
